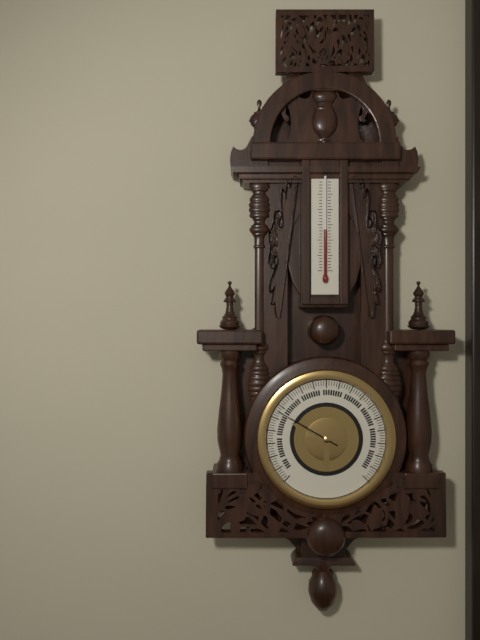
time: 9:50
